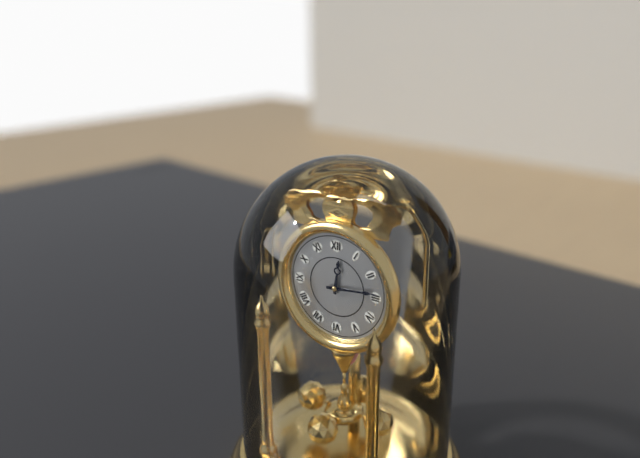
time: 12:14
